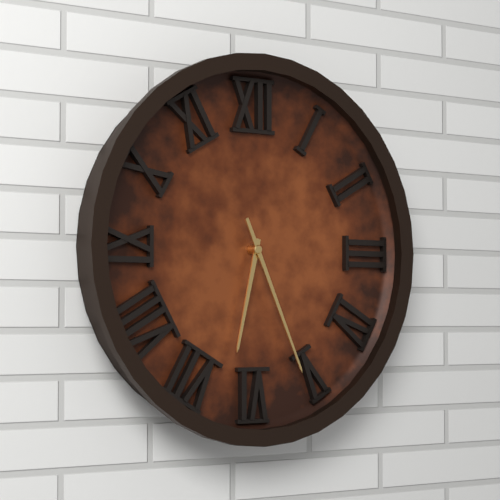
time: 6:26
